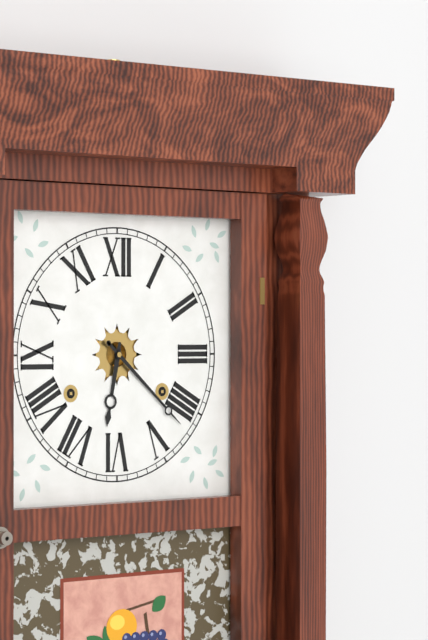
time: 6:22
